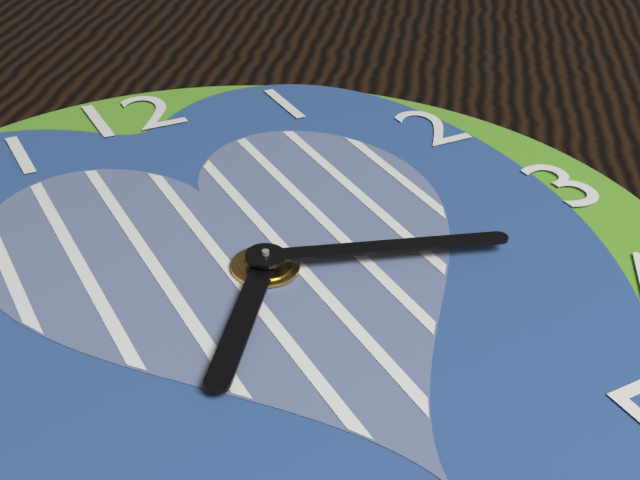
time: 7:18
